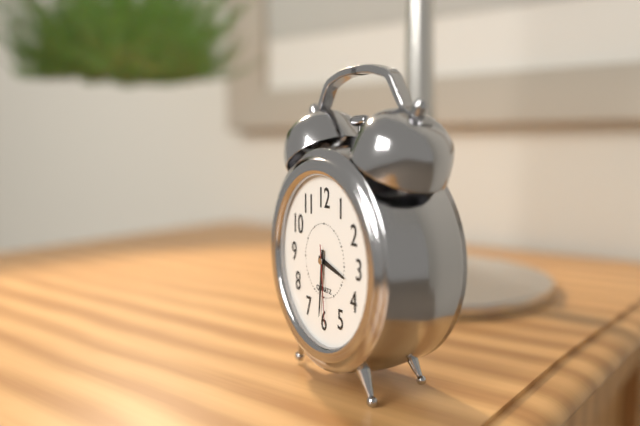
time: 3:31:29
